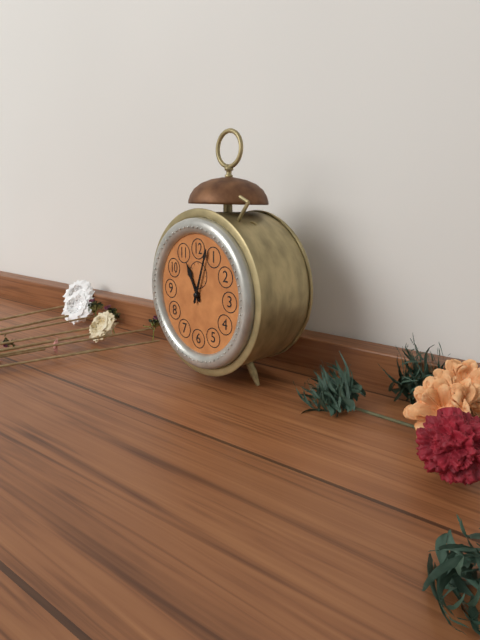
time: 11:03
